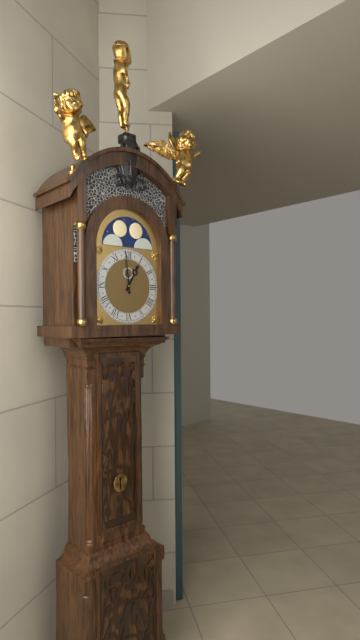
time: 12:59
